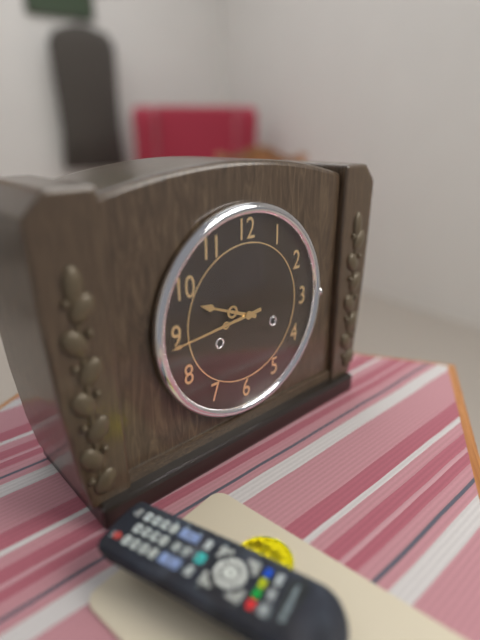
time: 9:44
